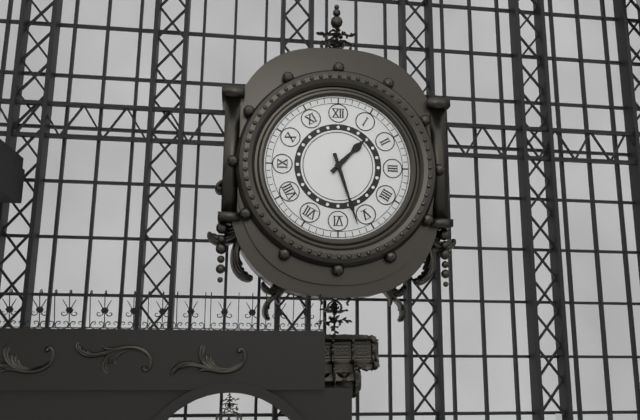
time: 1:27
